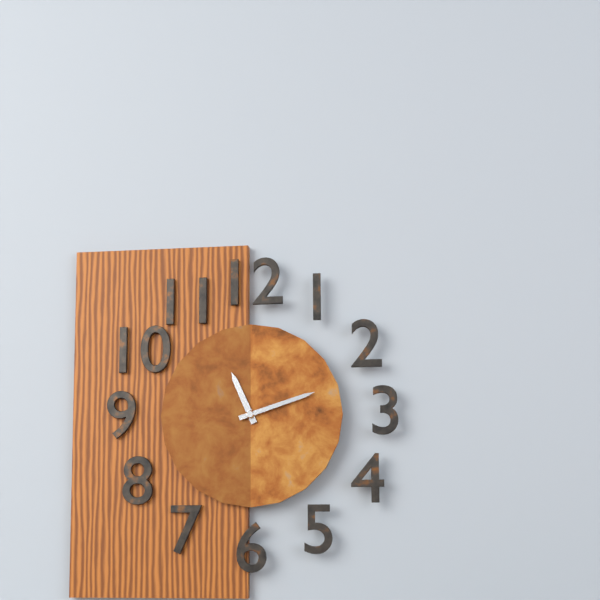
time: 11:12
